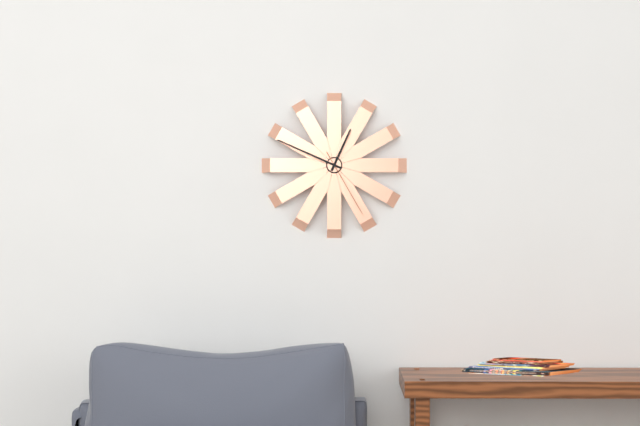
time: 12:49:25
